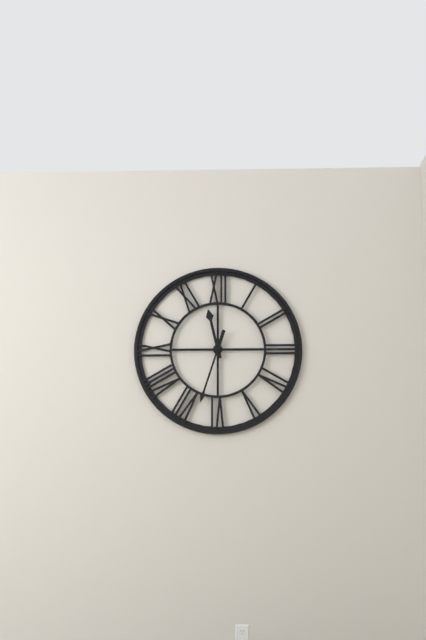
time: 11:33
